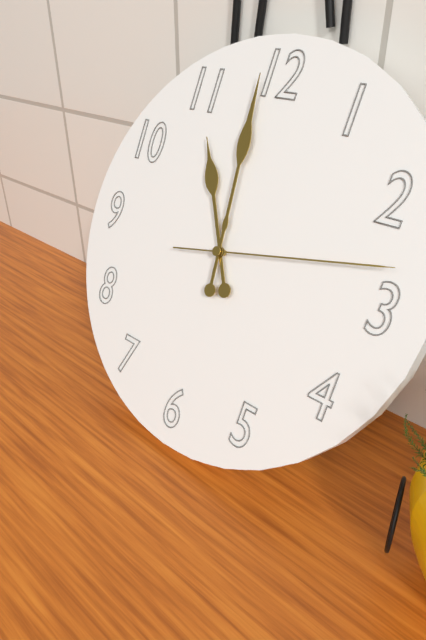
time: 10:59:13
